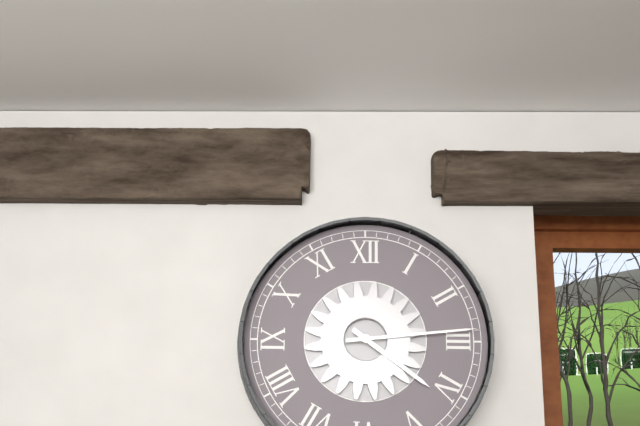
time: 4:14
